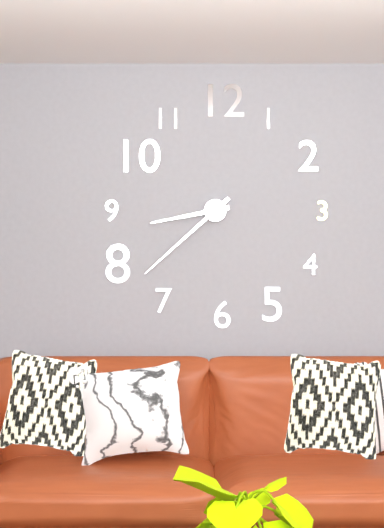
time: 8:38
